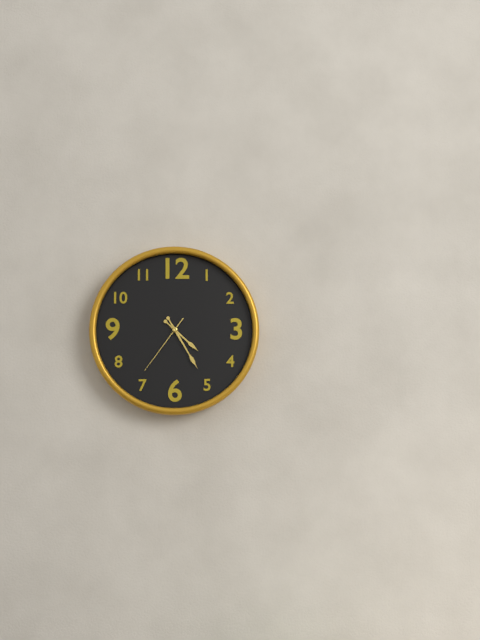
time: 4:25:36
